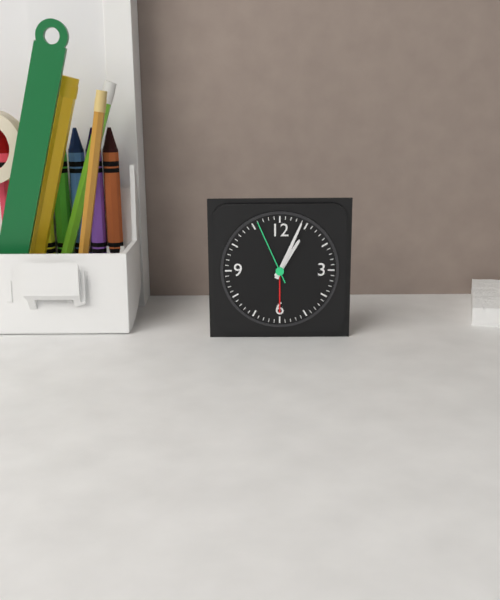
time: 1:04:56
